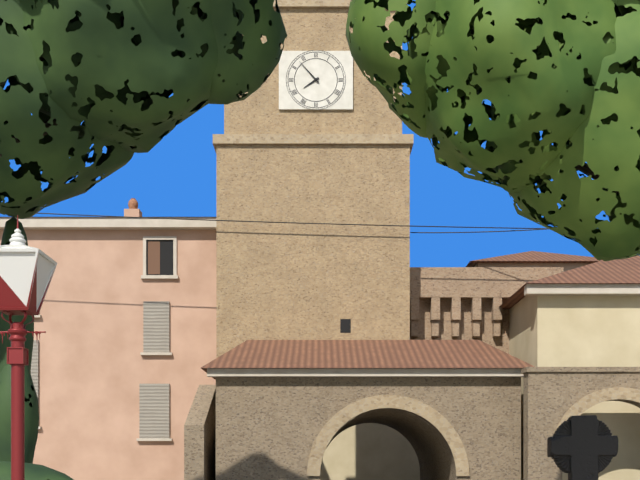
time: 7:53
